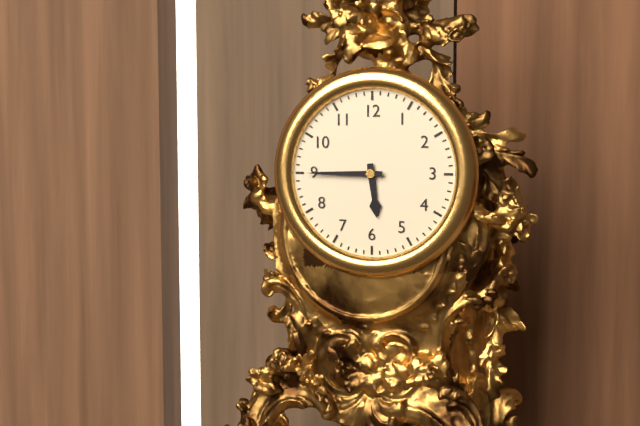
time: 5:45
